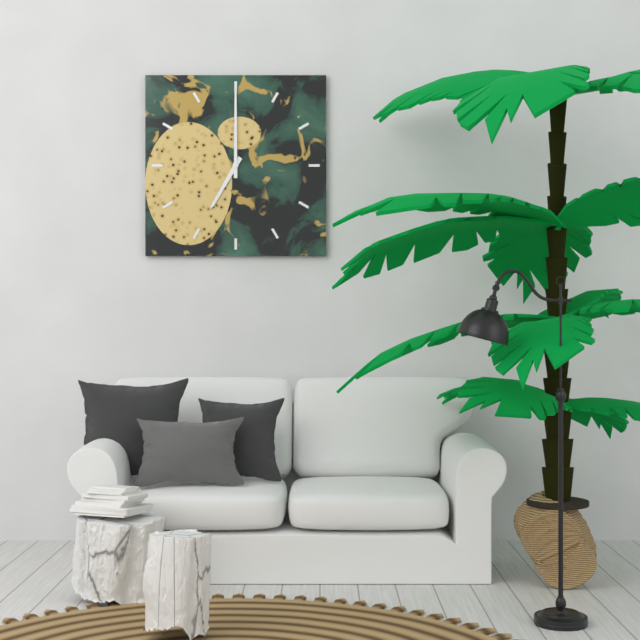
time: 7:00
